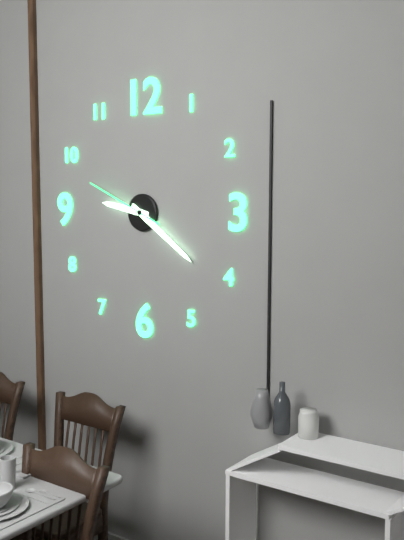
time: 9:21:49
